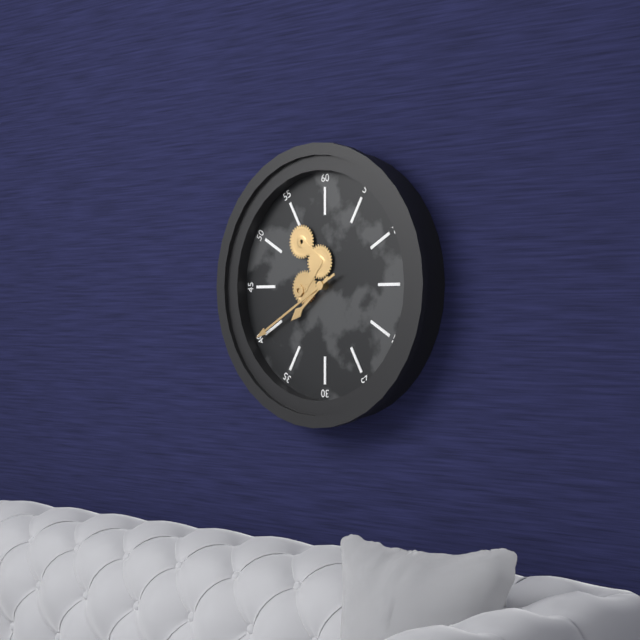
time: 7:40
